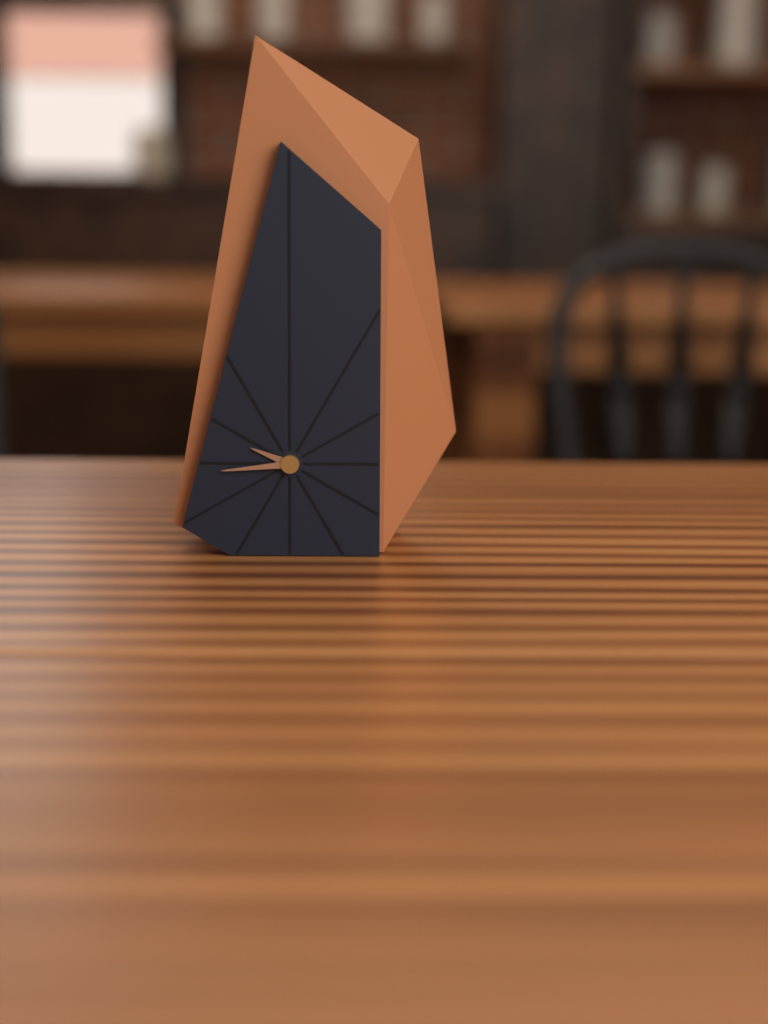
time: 9:44
